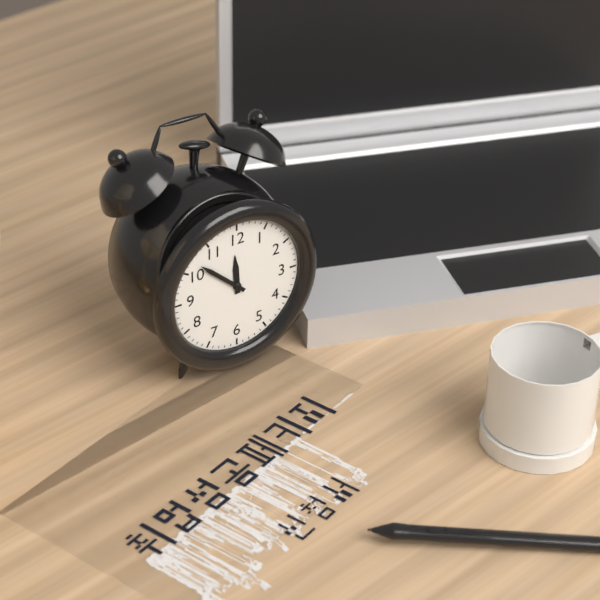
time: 11:52
